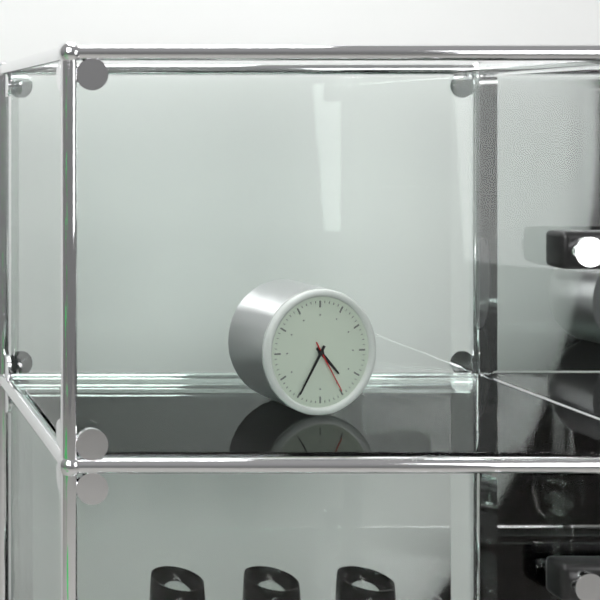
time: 4:35:25
